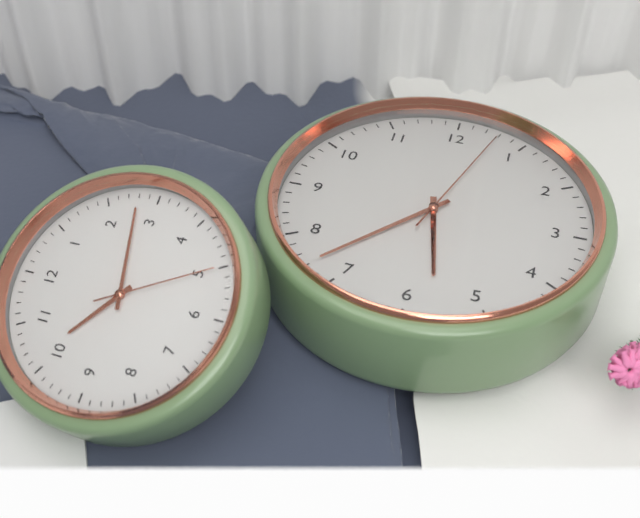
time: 5:37:03
